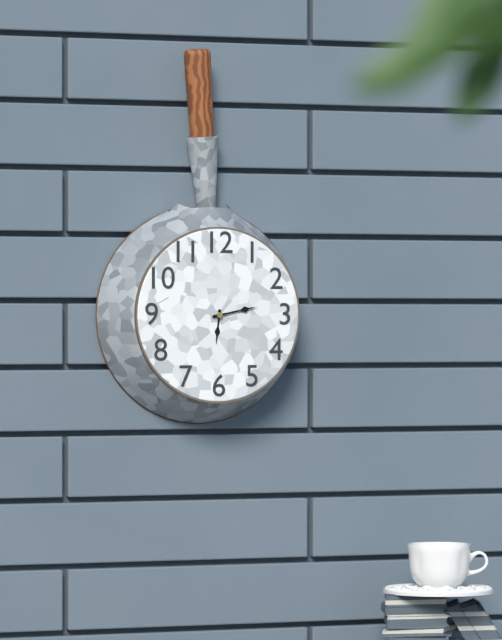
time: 6:13
